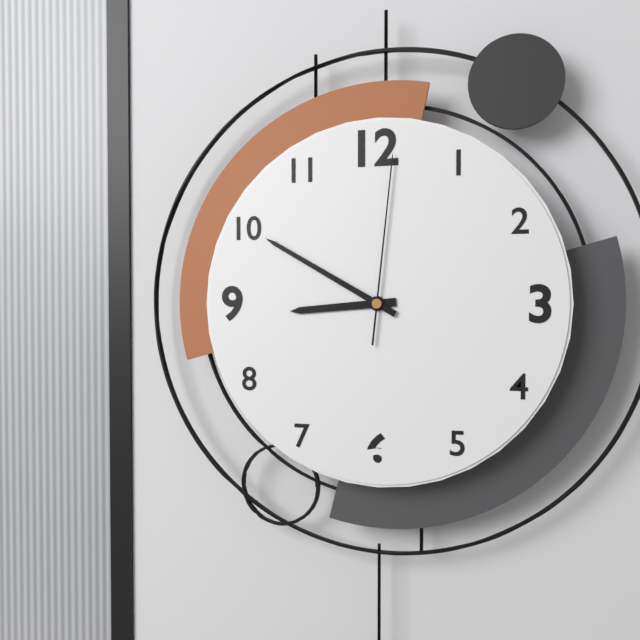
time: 8:50:01
